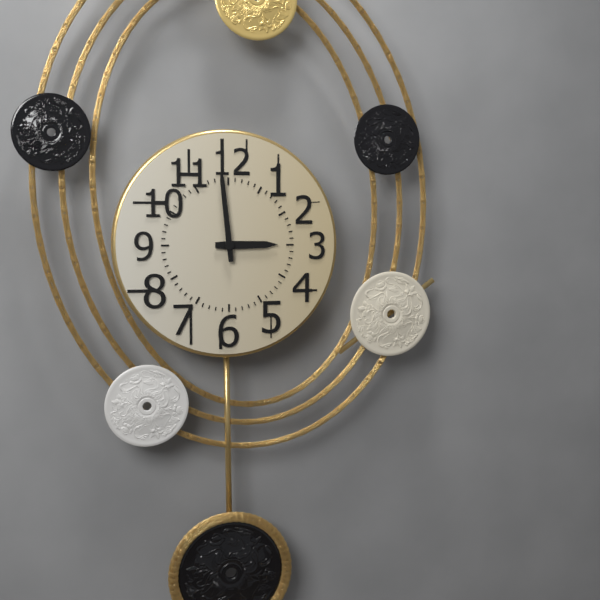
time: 2:59
